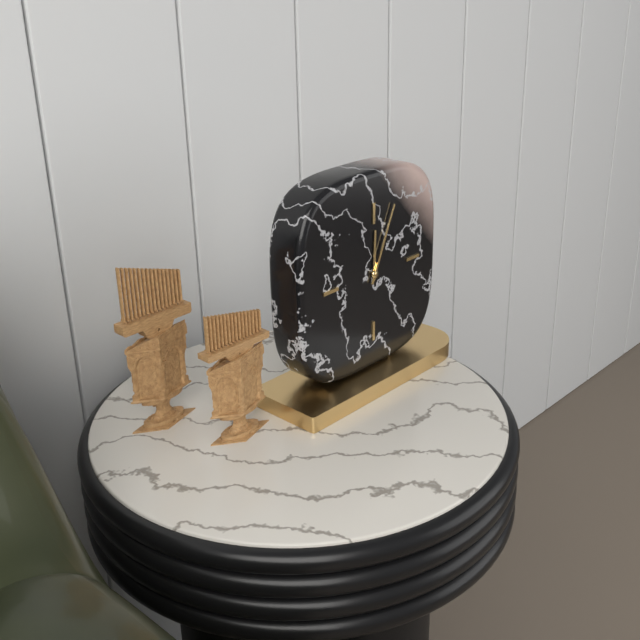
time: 12:04
